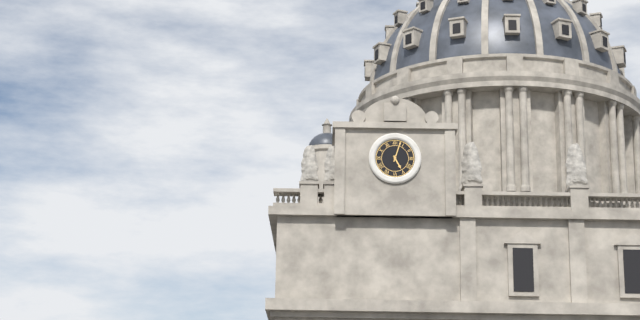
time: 5:03
